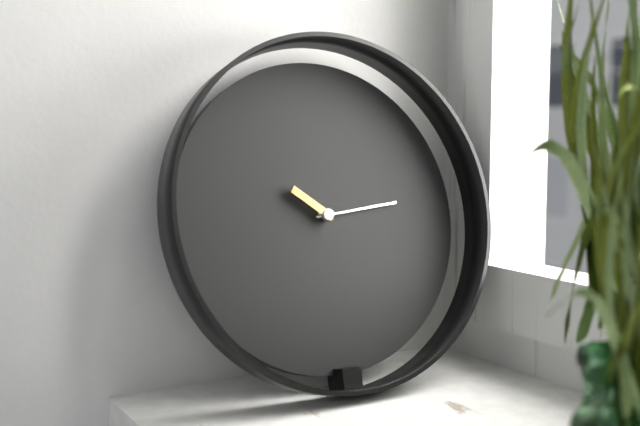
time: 10:14
